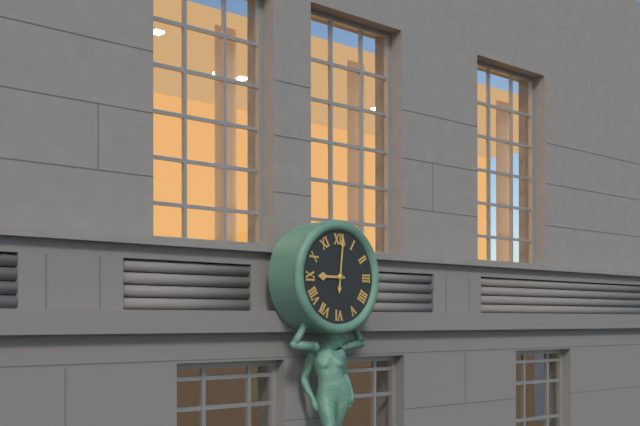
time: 9:01
